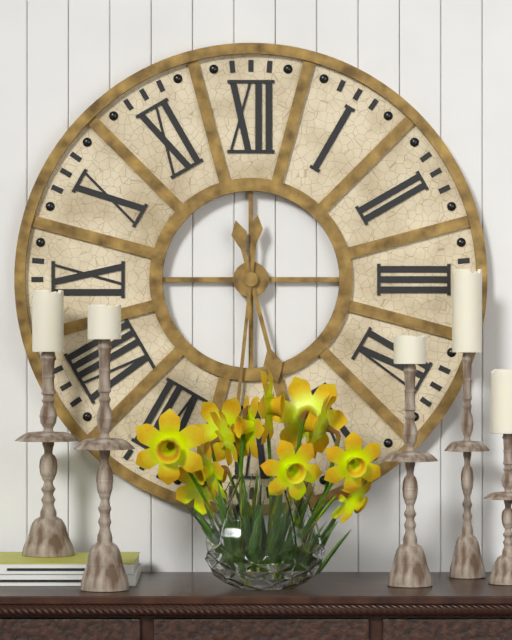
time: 5:31
